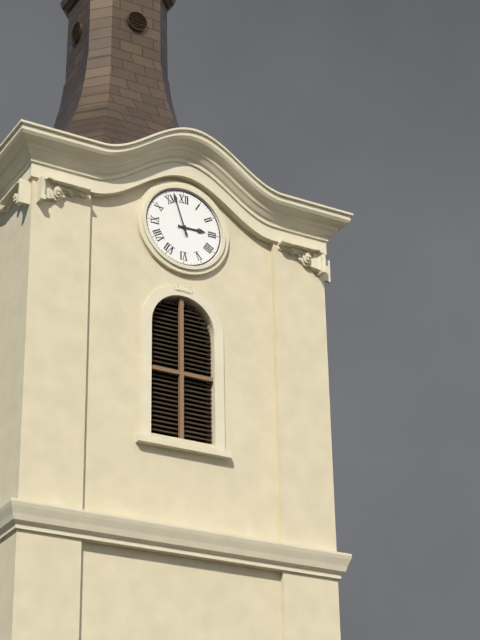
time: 2:57
